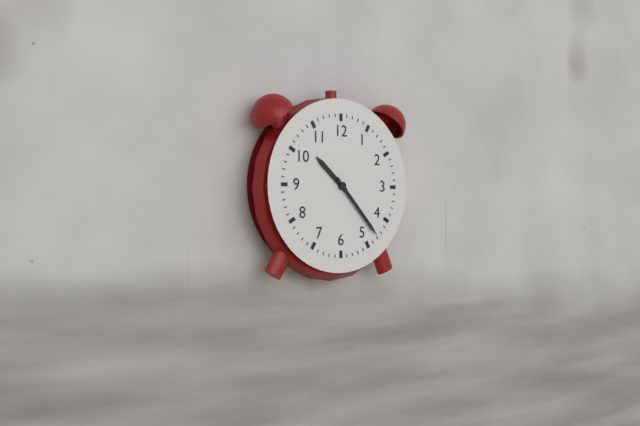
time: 10:23
